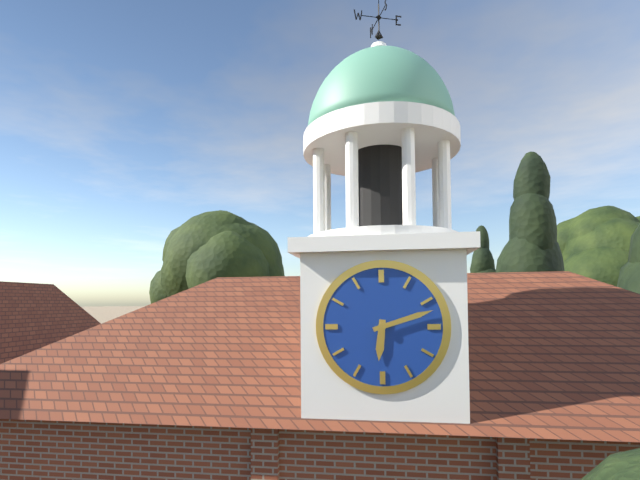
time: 6:12
